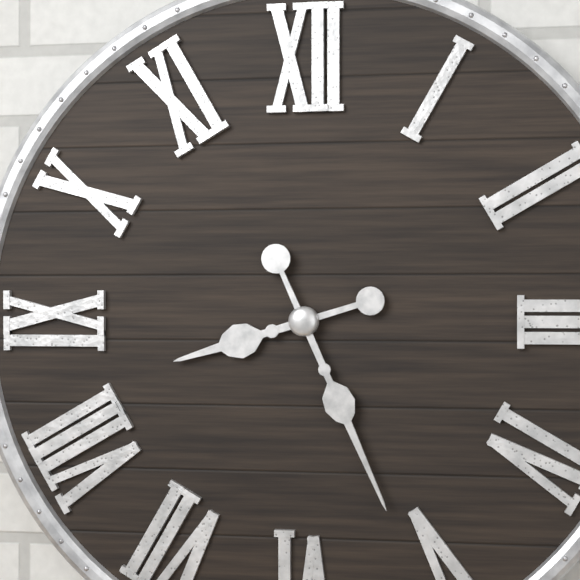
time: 8:26
